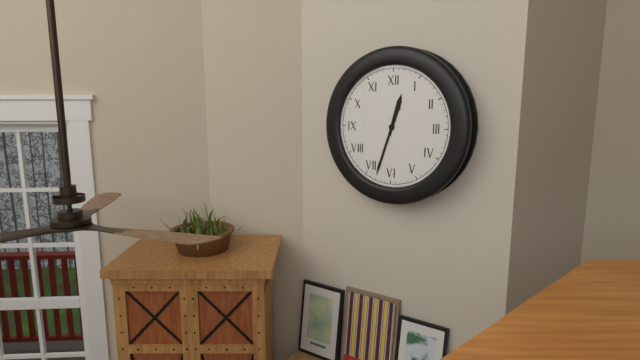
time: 12:33
